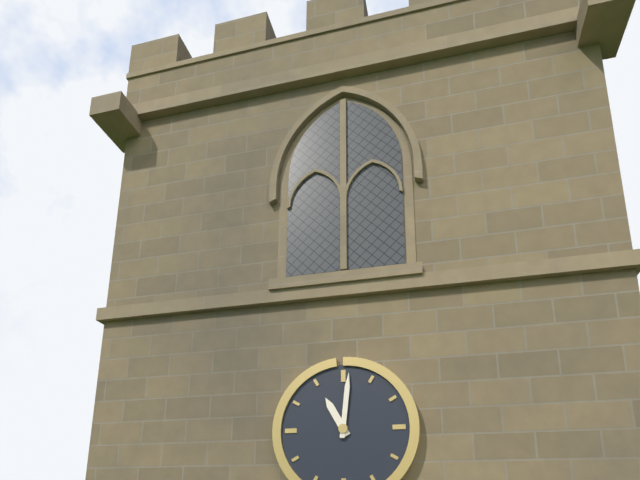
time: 11:01
